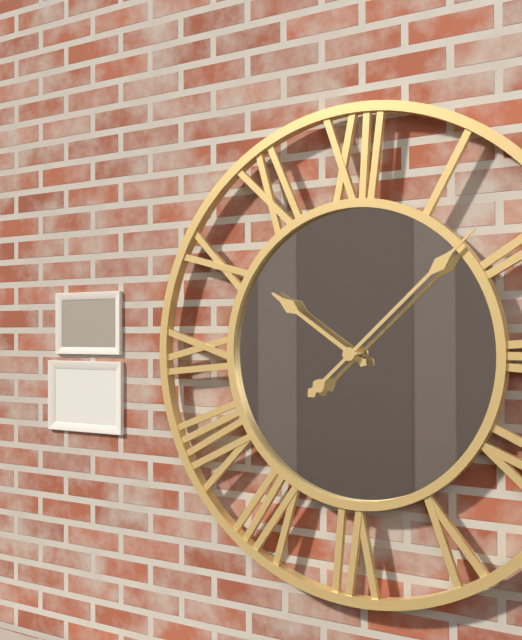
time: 10:08
